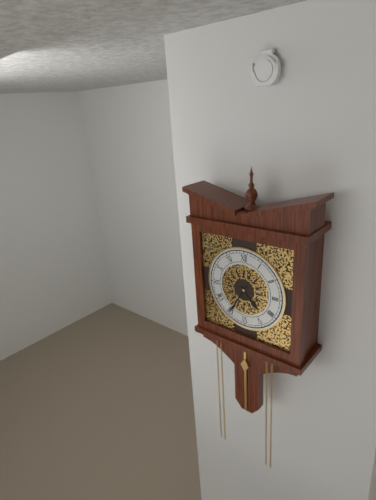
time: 4:35
